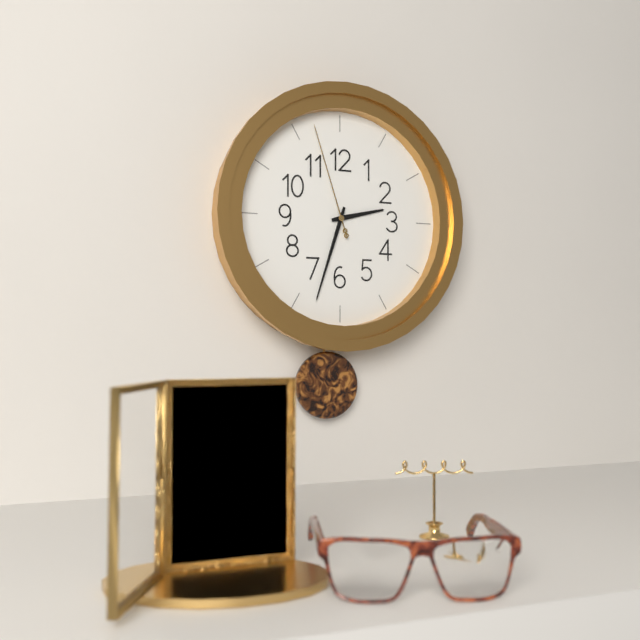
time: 2:33:57
